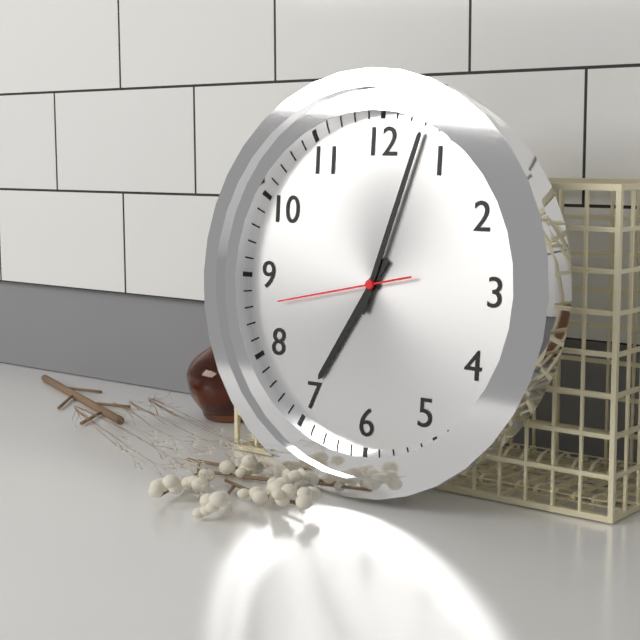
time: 7:03:43
